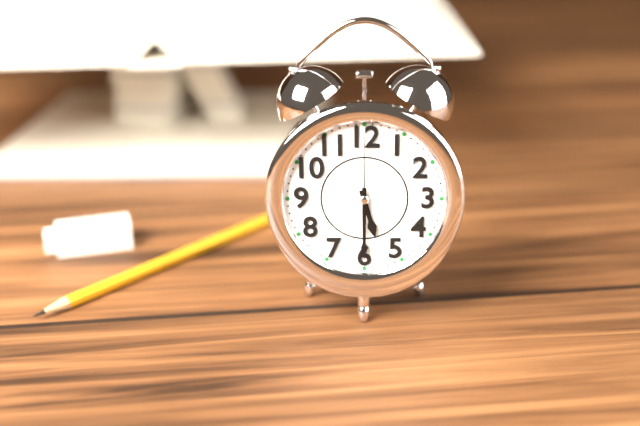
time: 5:30:00
